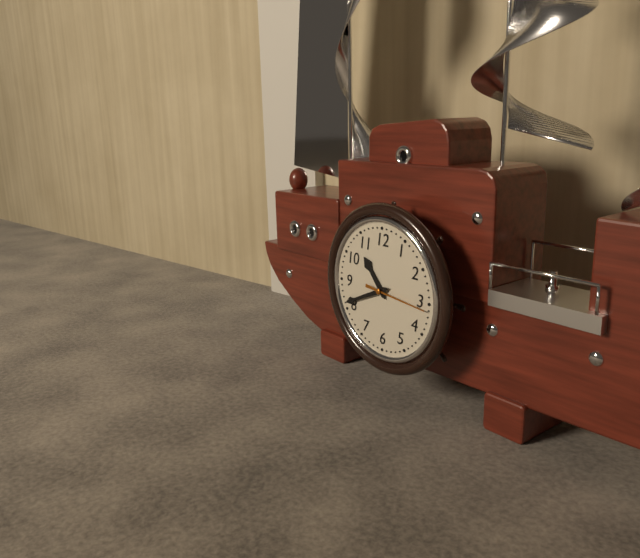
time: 10:41:16
